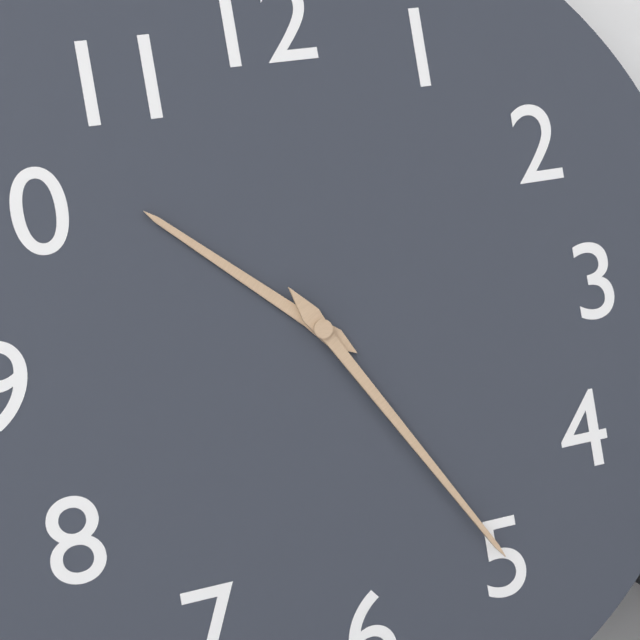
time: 10:25
